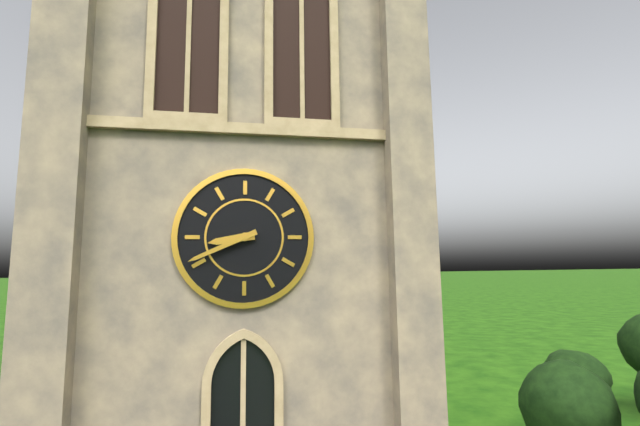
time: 8:41
